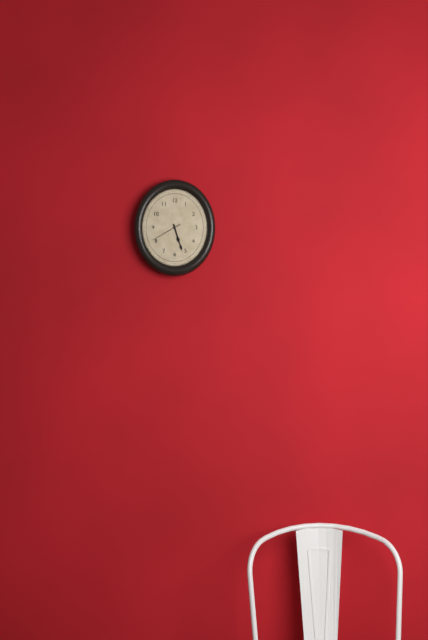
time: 5:27
